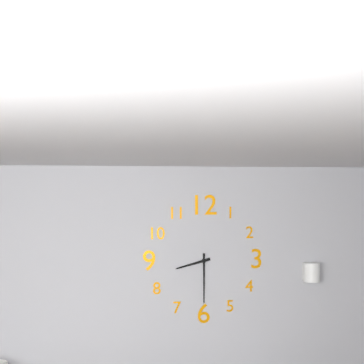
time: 8:30
